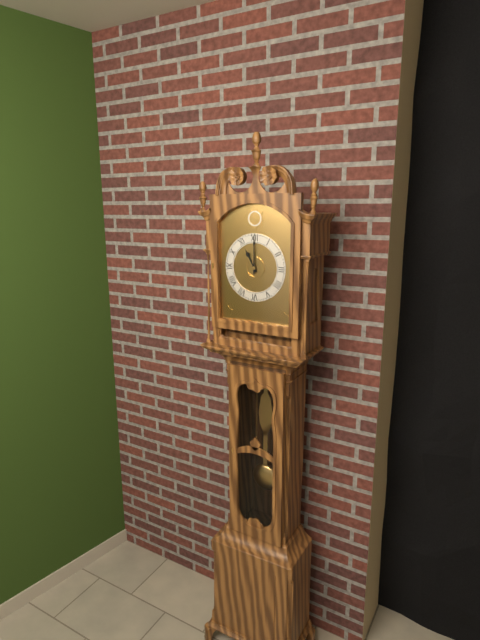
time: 11:00
